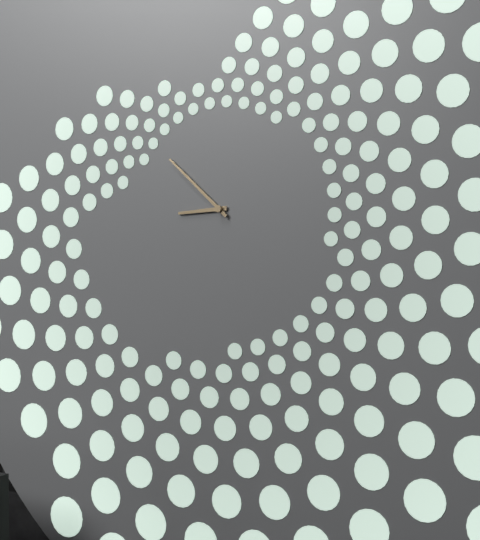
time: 8:52
